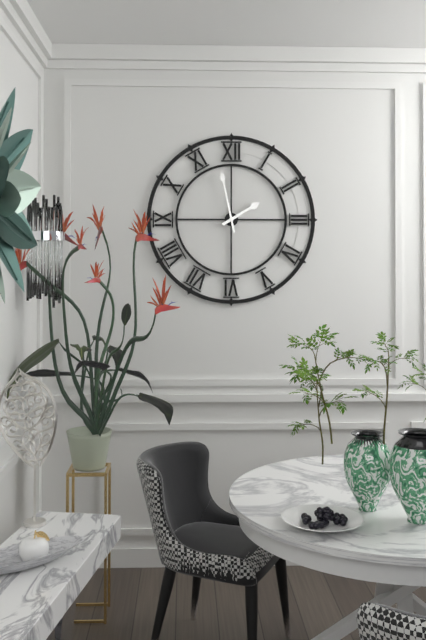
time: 1:58
